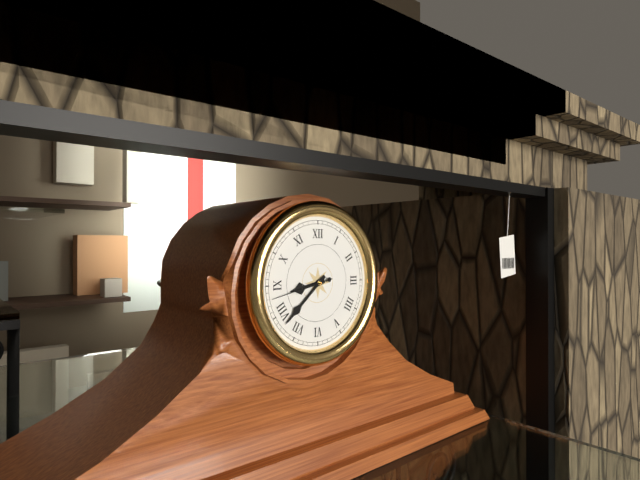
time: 8:38:43
